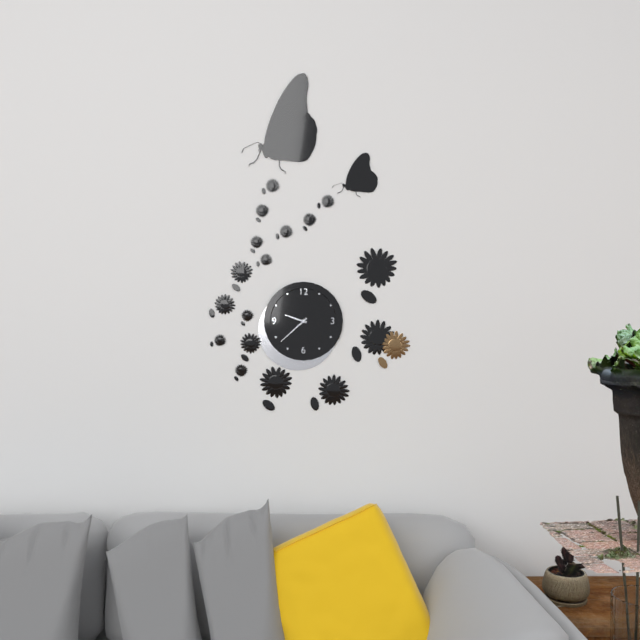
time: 9:38
